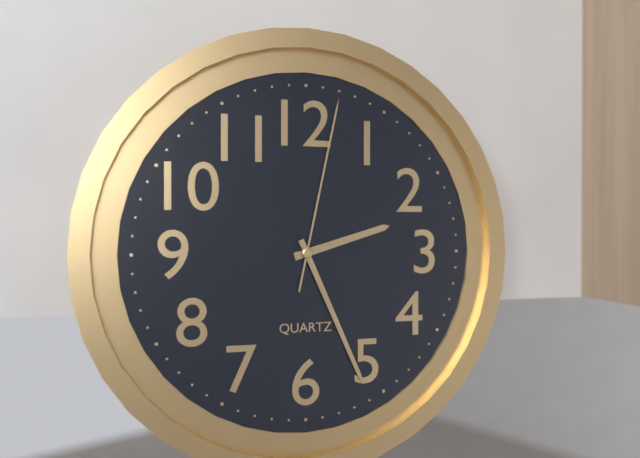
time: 2:26:02
